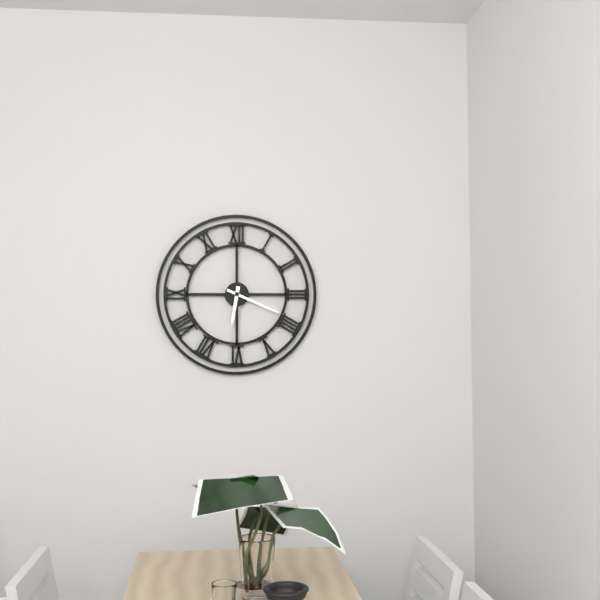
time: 6:19
